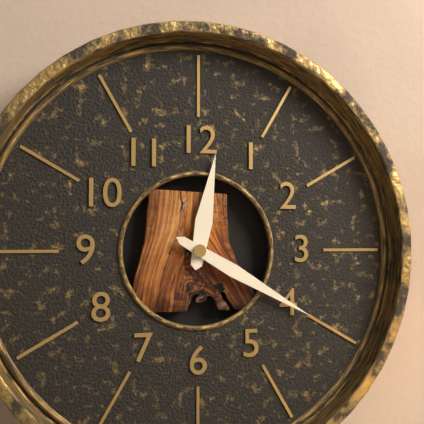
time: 12:20
